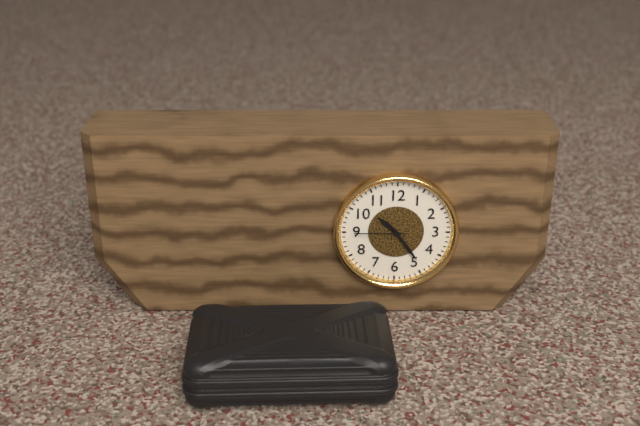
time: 10:24:45
